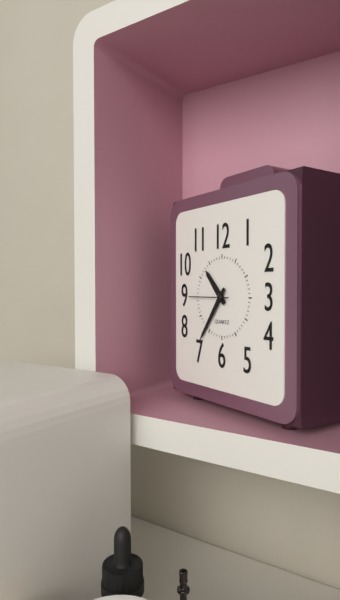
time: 10:36
